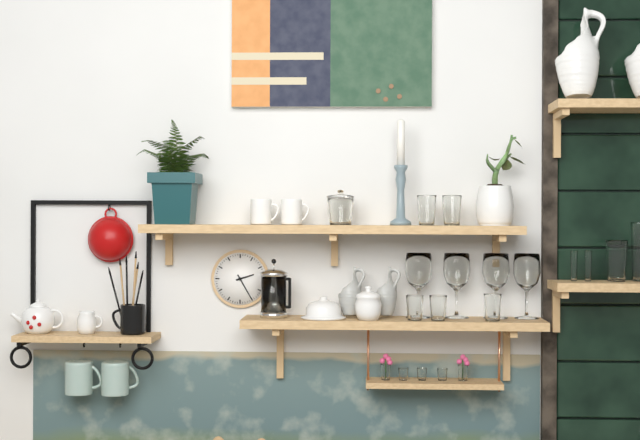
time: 2:25
